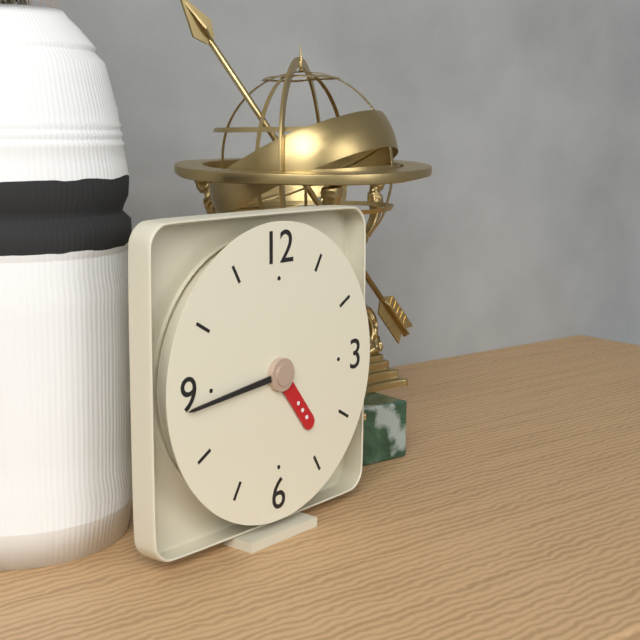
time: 4:44
